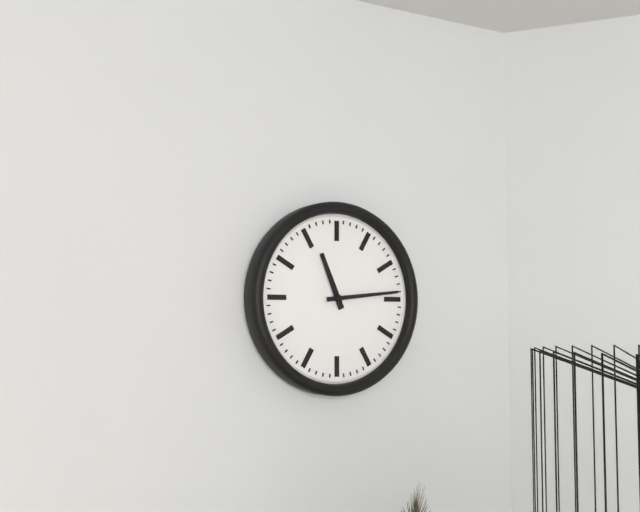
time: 11:14
